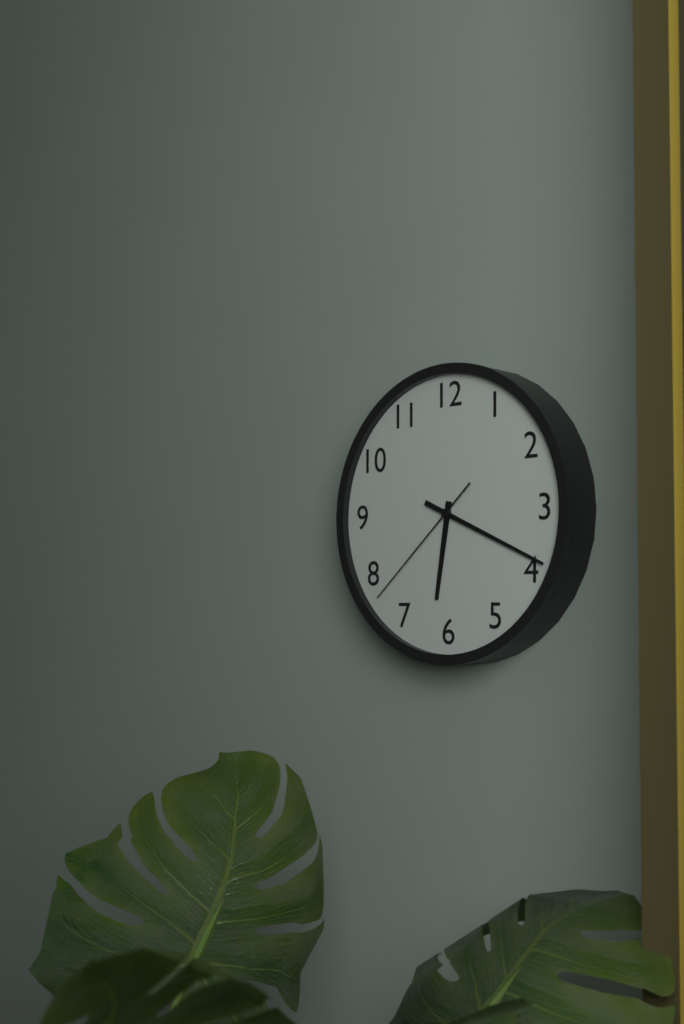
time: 6:19:38
